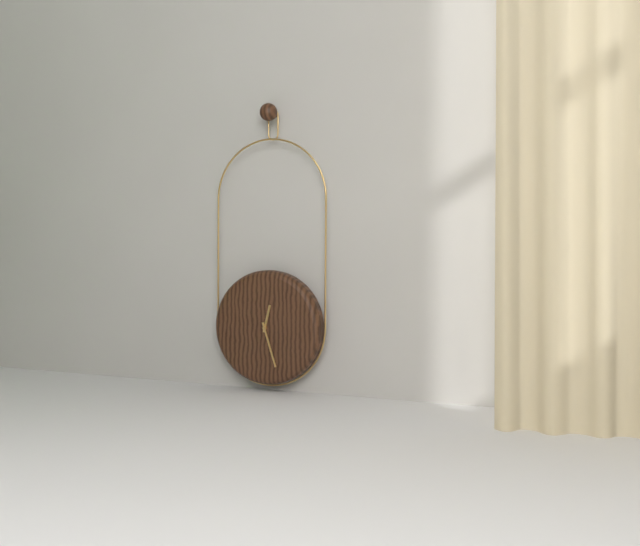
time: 12:27
